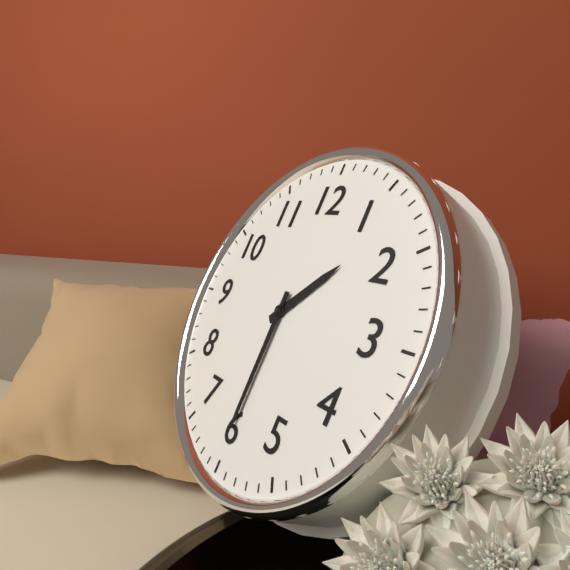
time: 1:30
